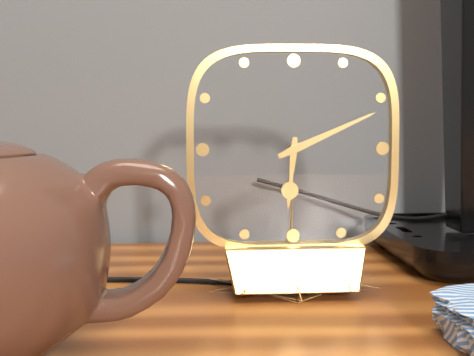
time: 6:11
